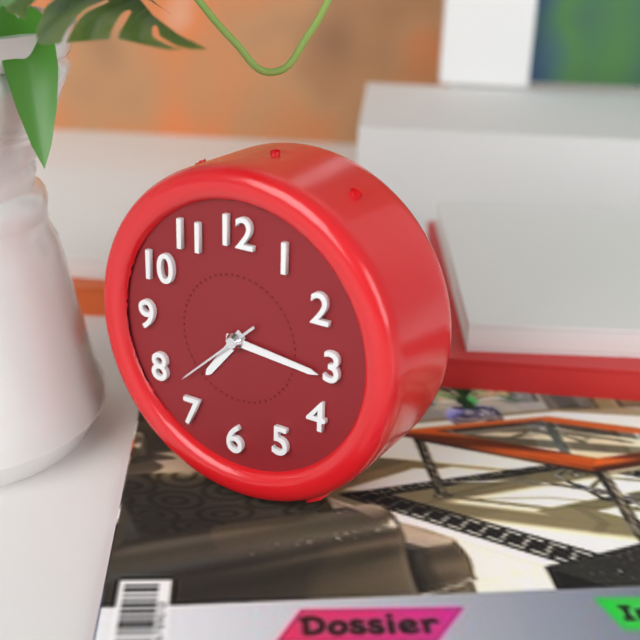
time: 7:16:38
